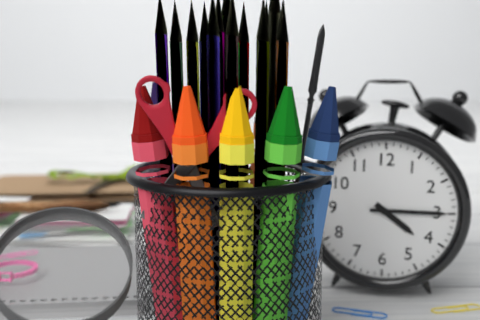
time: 4:15
